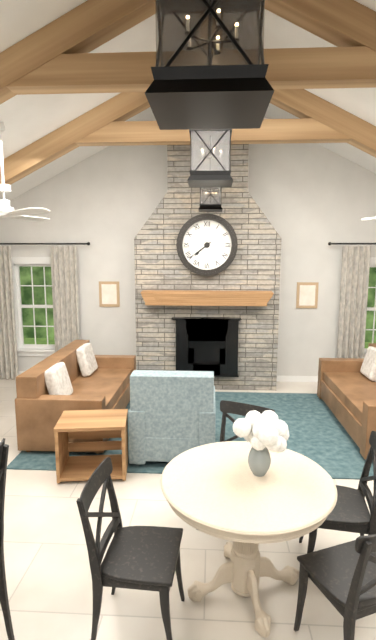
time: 7:39
